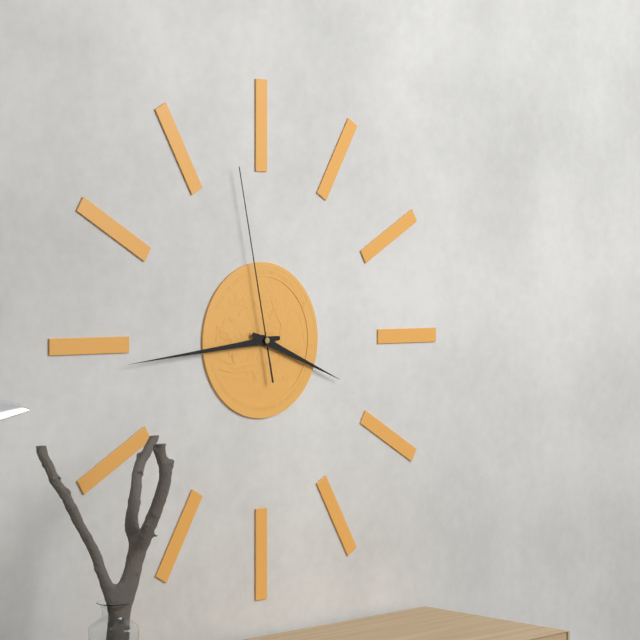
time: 3:44:58
